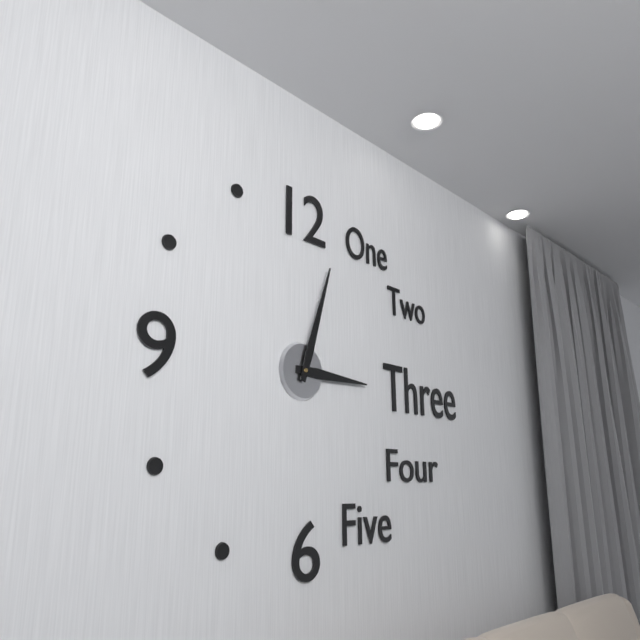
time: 3:03
